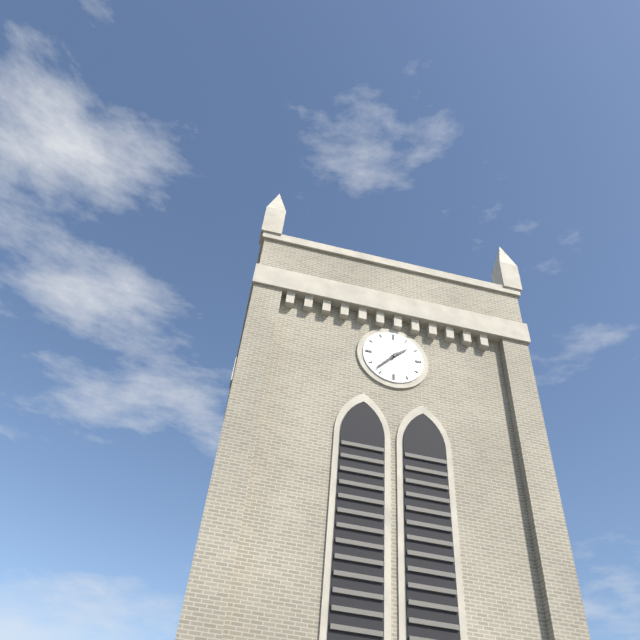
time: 1:37
